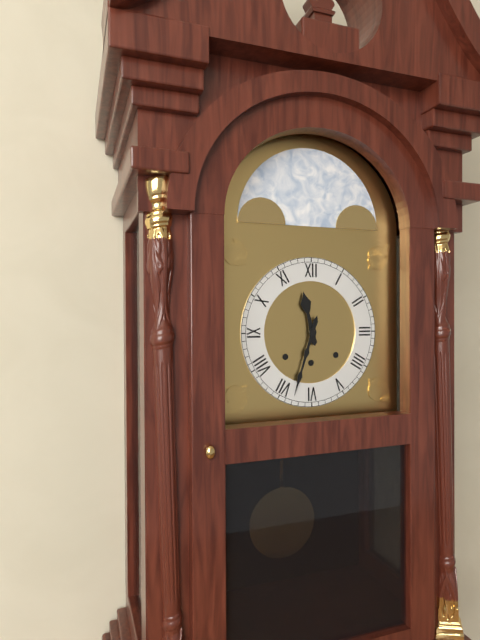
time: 11:33
